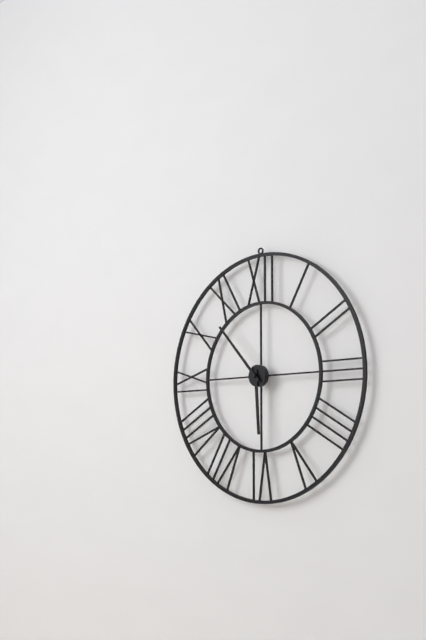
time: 5:53
